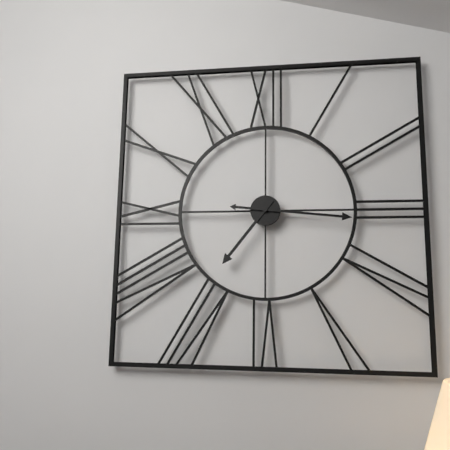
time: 7:16
